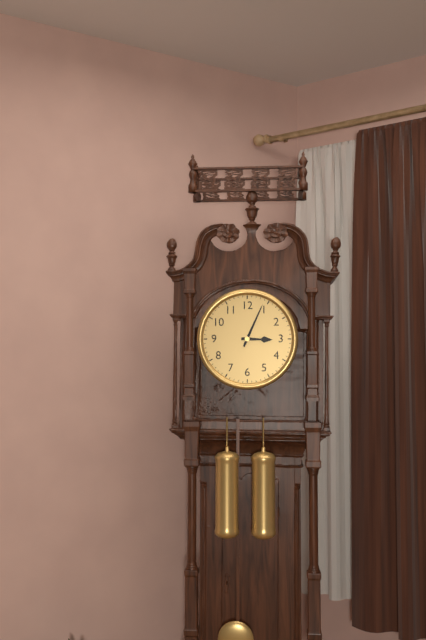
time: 3:04
